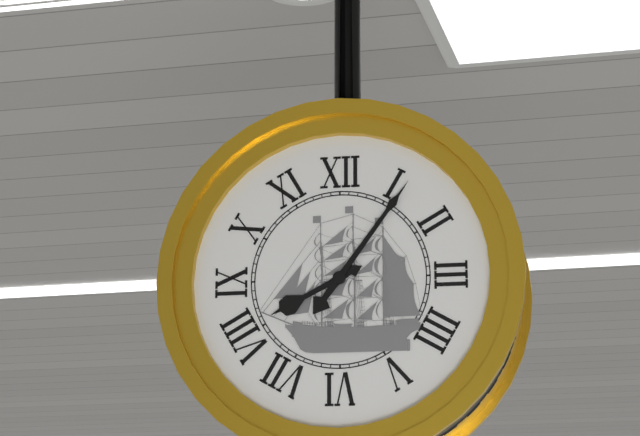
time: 8:06
